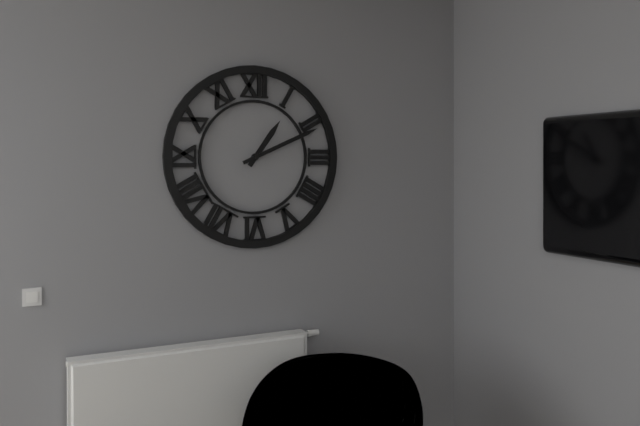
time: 1:11
